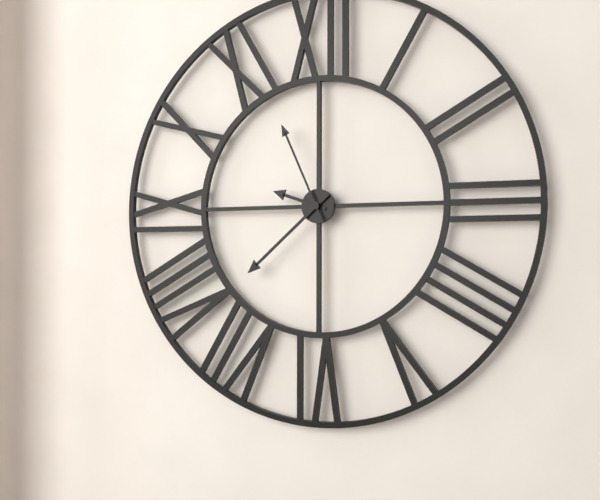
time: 9:38:56
